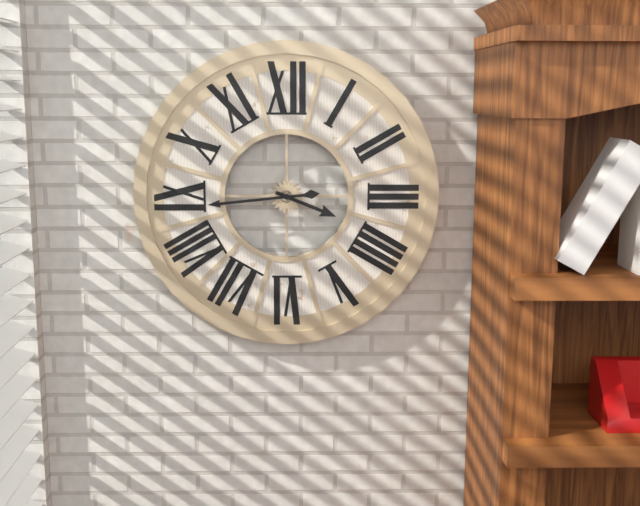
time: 3:44
